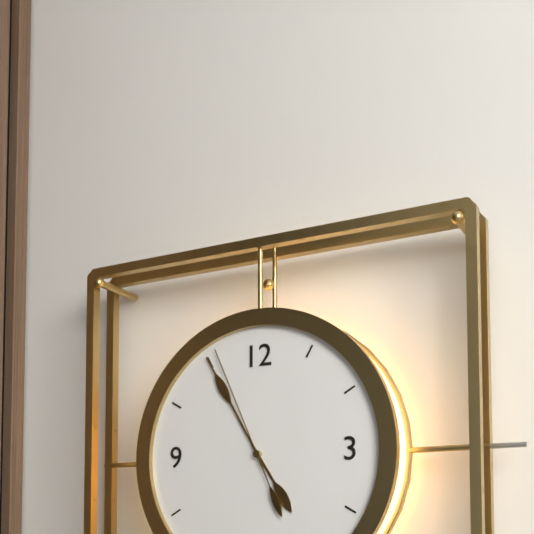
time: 4:55:56
